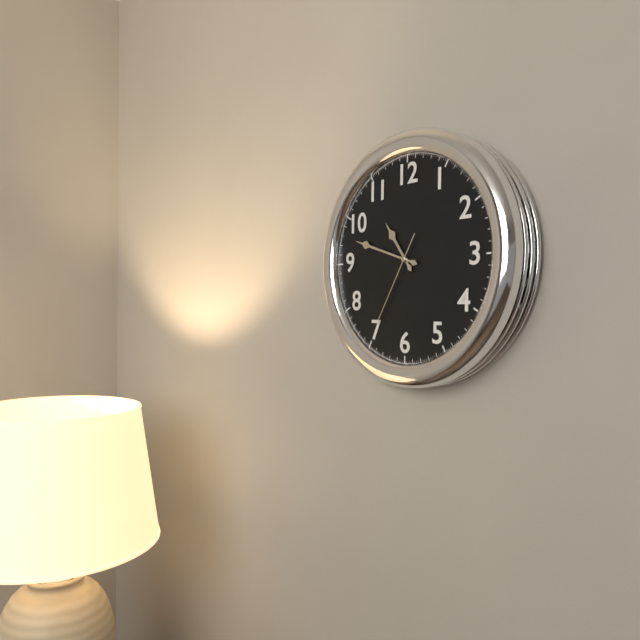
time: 10:48:35
